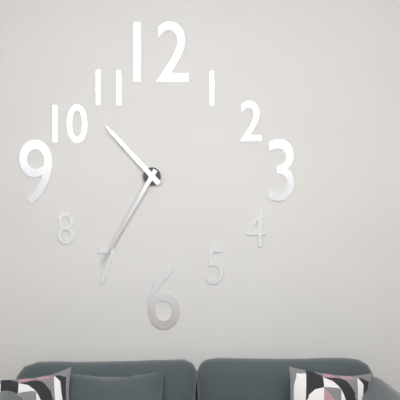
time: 10:35
